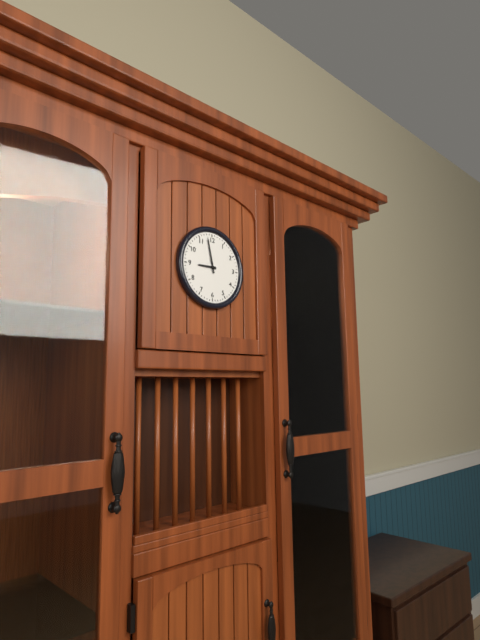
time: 8:58
